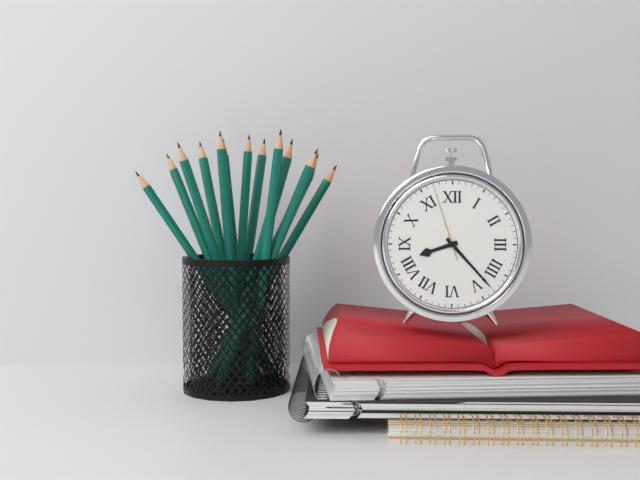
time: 8:23:57
